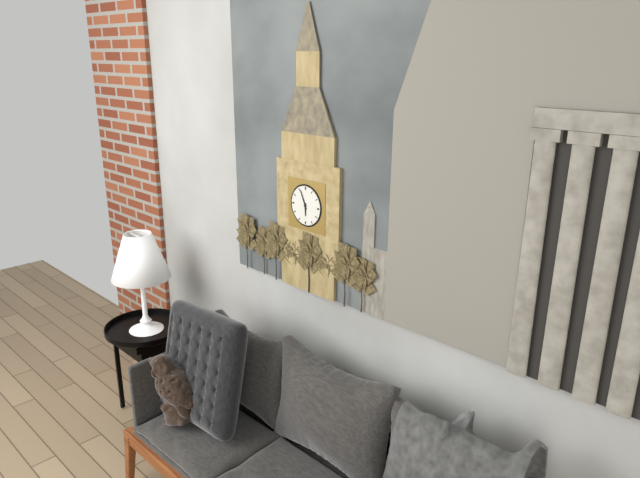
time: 5:56
